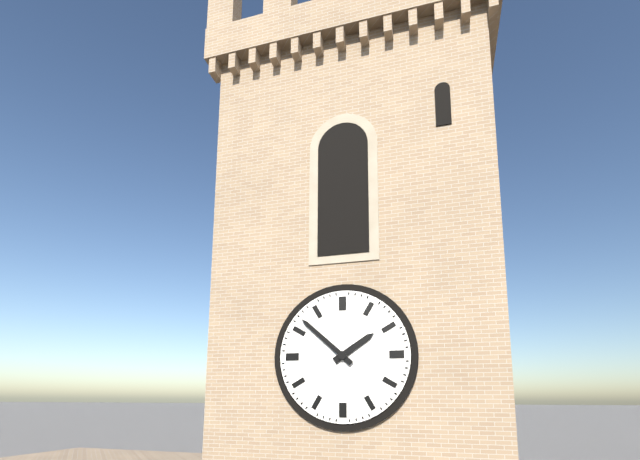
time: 1:52
